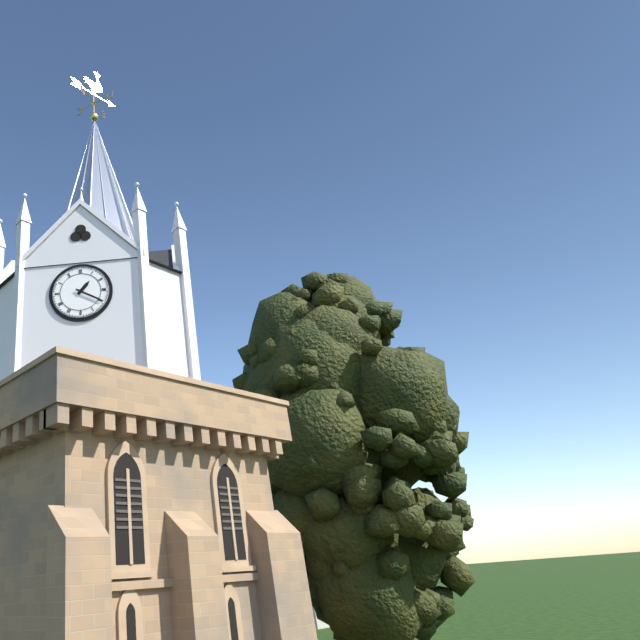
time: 1:20
